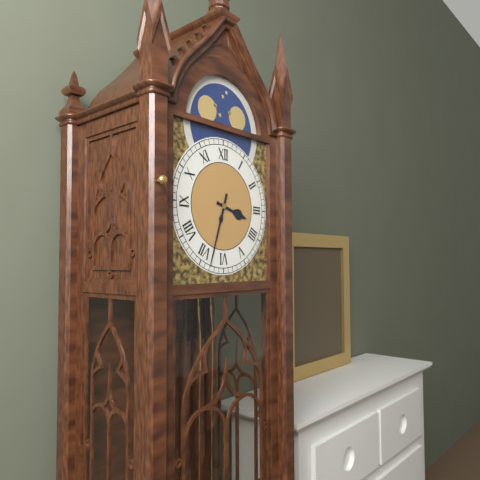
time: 3:33
